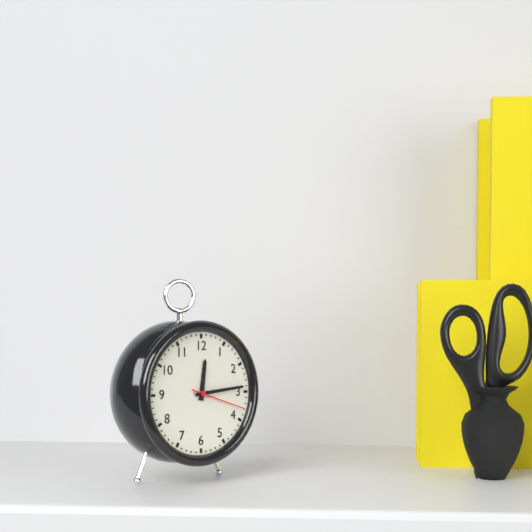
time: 12:14:18
